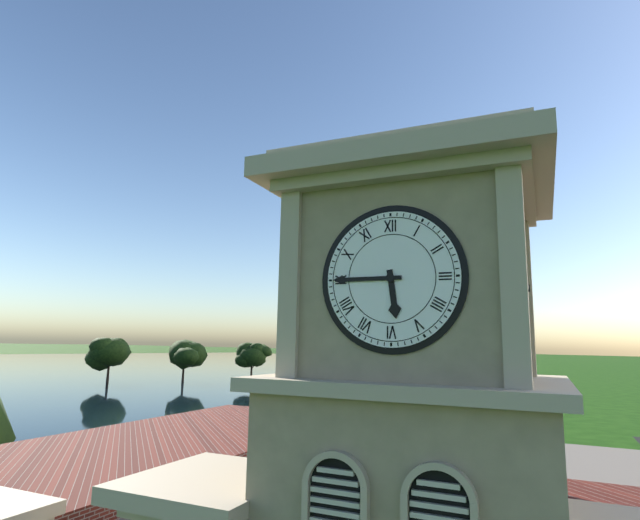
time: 5:45
